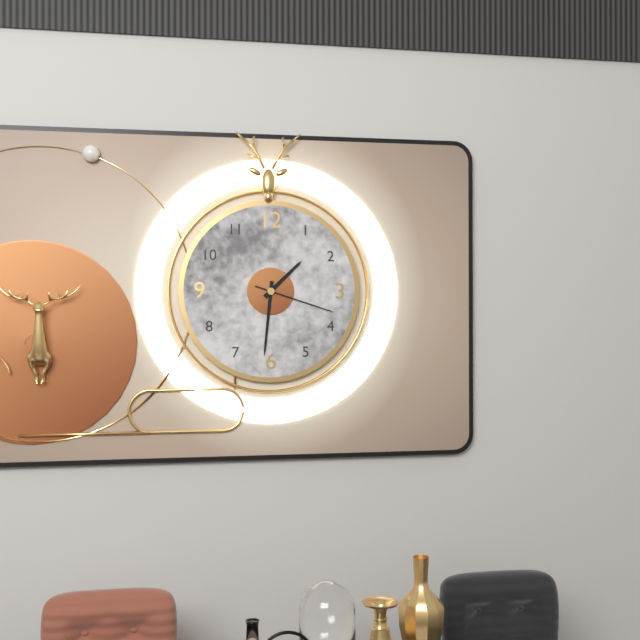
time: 1:31:18
